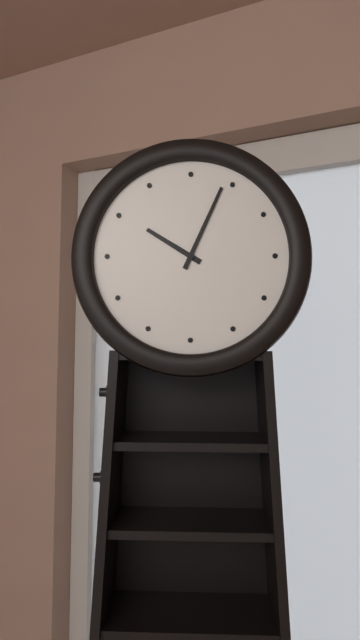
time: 10:04
